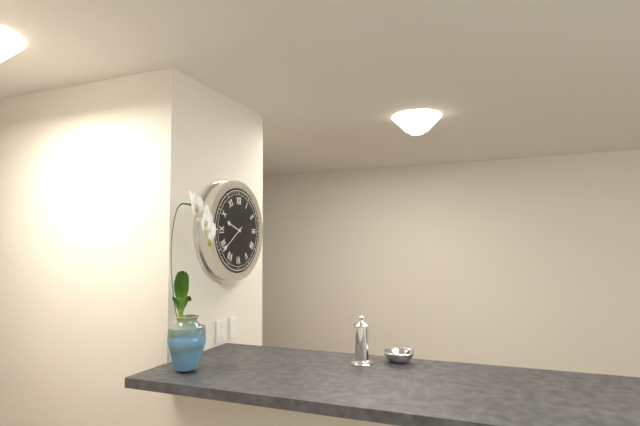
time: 9:39
